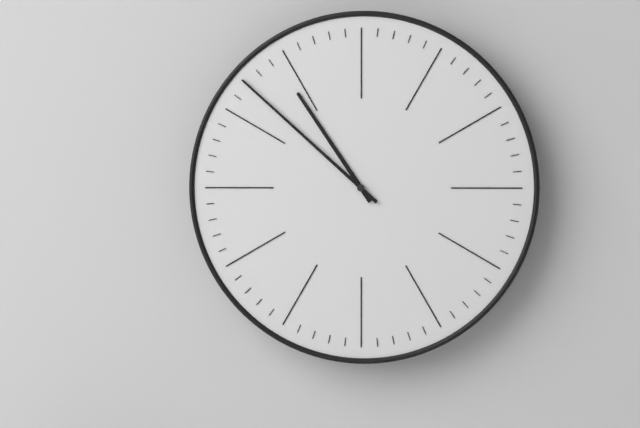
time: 10:52
